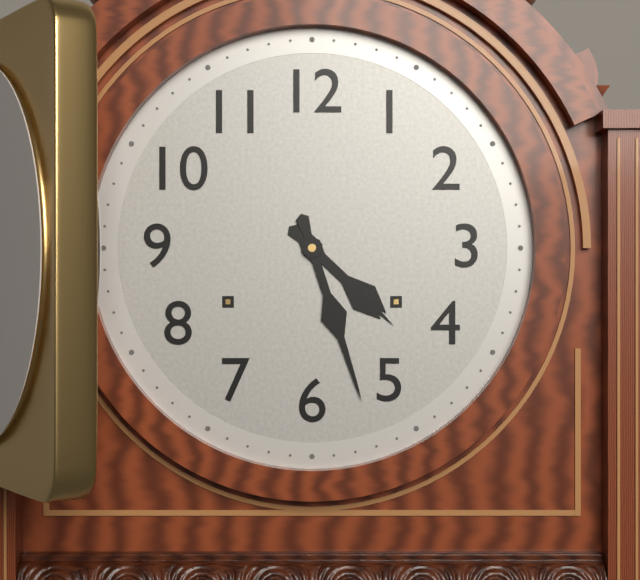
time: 4:27
